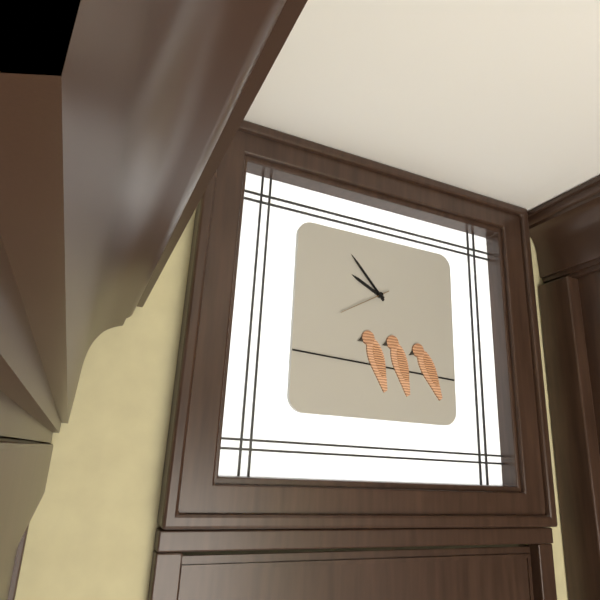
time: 9:53:40
